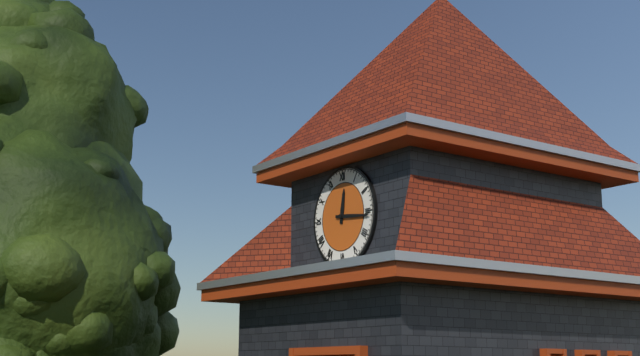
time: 12:16
